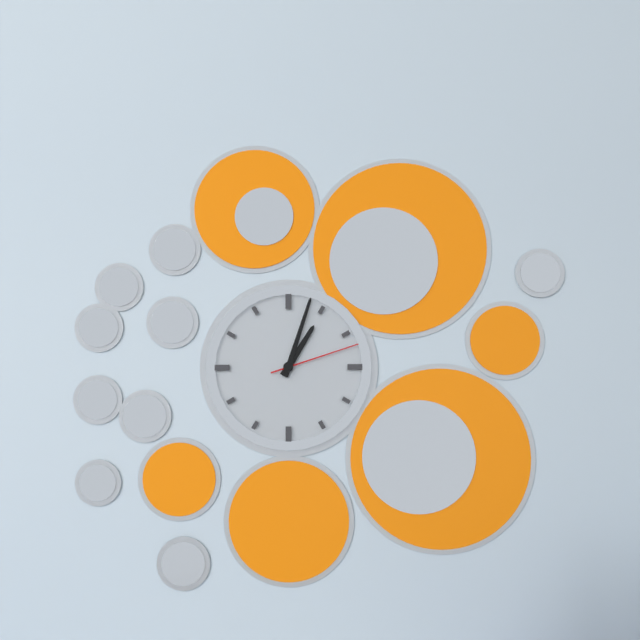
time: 1:03:12
